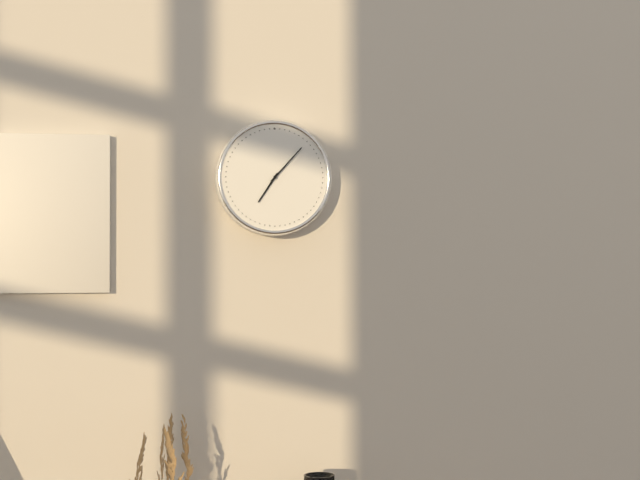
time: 7:07
